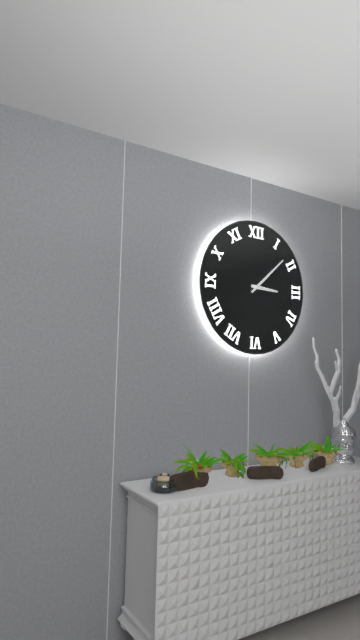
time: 3:08
